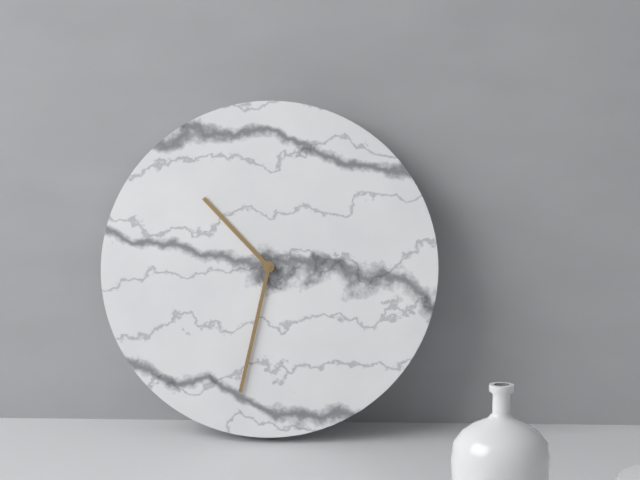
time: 10:32
